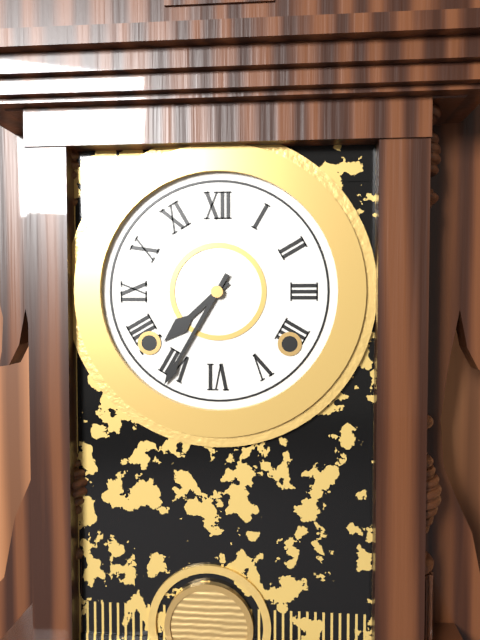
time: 7:35
